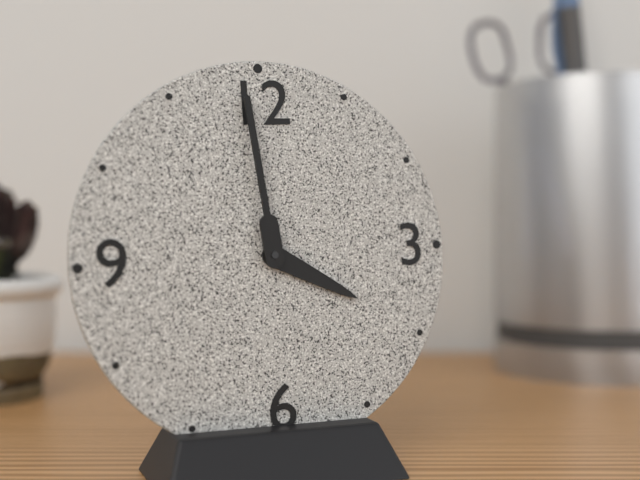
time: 3:59
